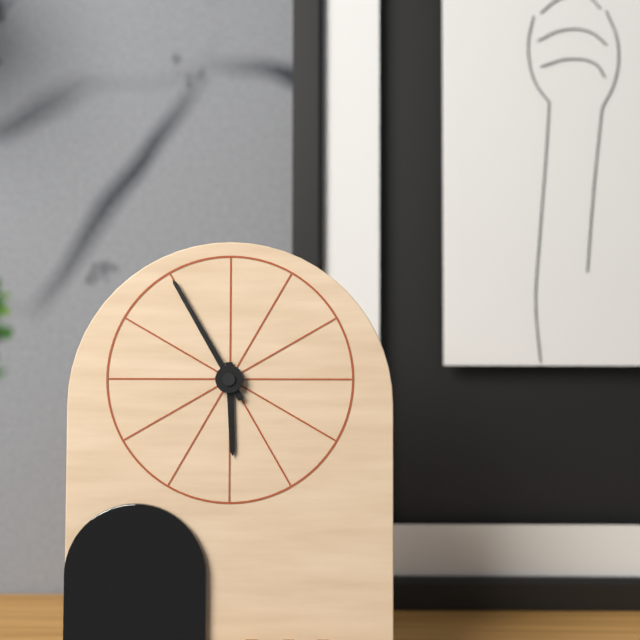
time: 5:55
